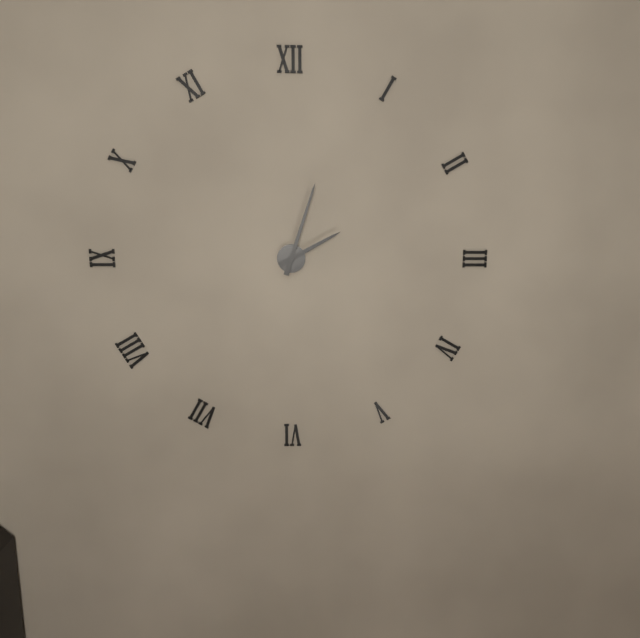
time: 2:03
